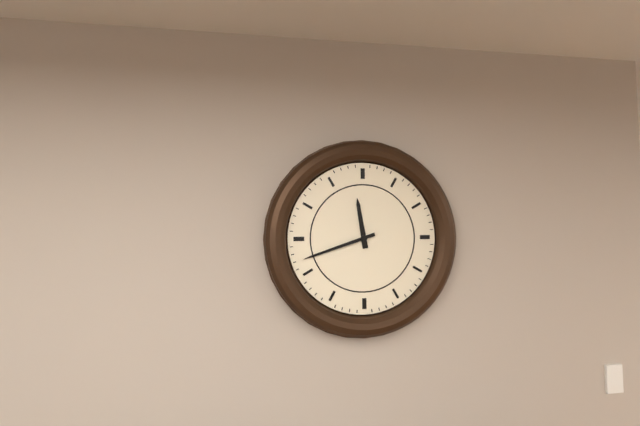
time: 11:42
